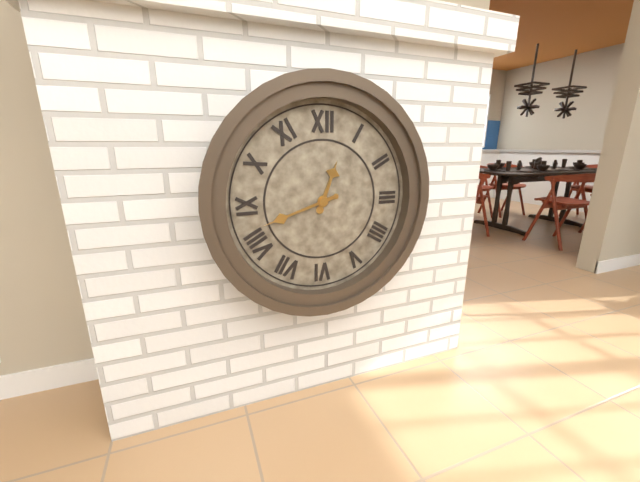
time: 12:42
